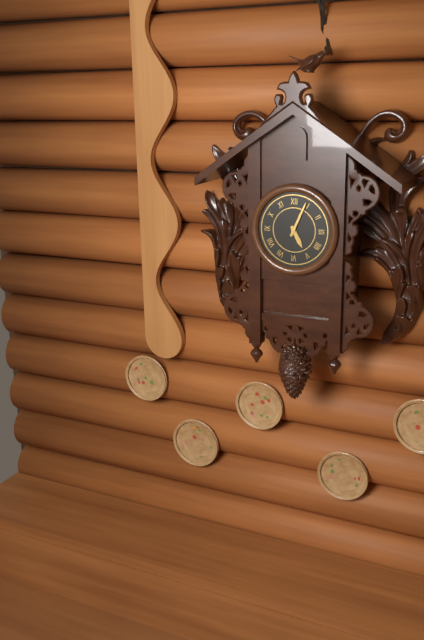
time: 5:04
